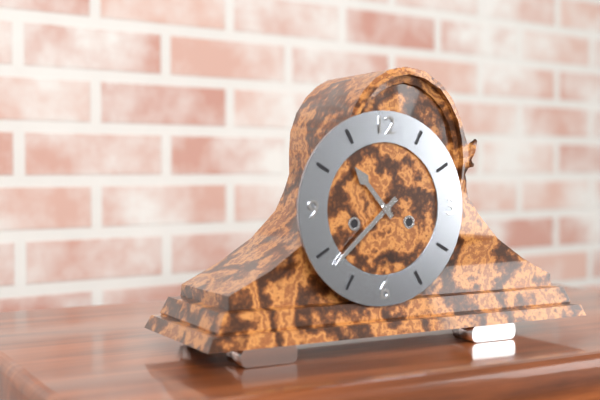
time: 10:38
